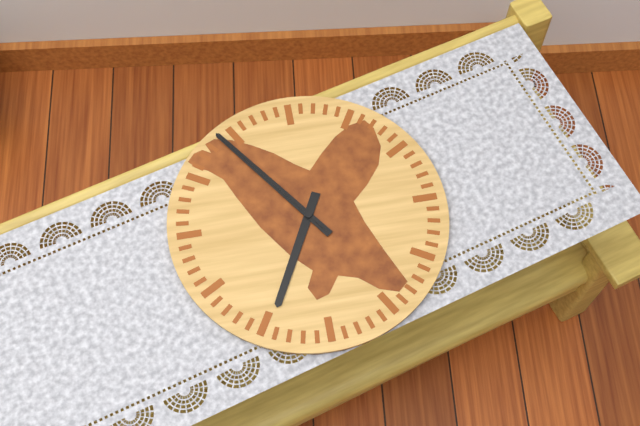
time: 6:54:54
